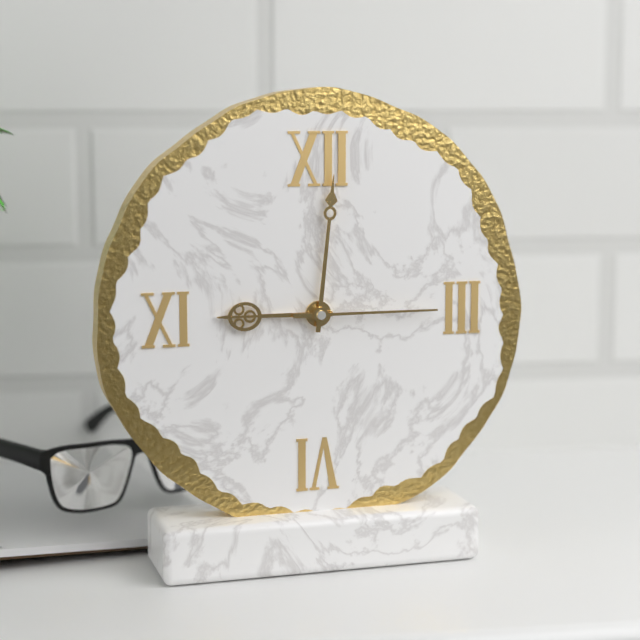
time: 9:01:15
